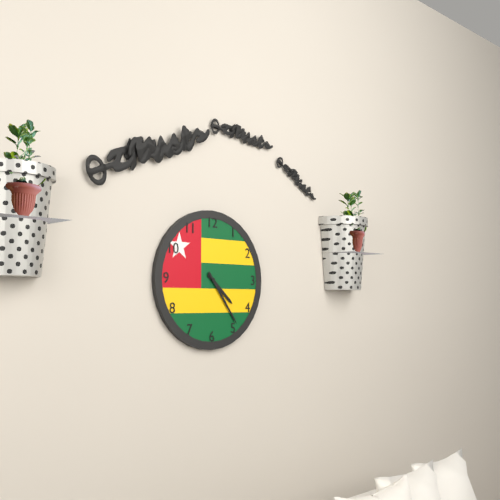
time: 4:24
